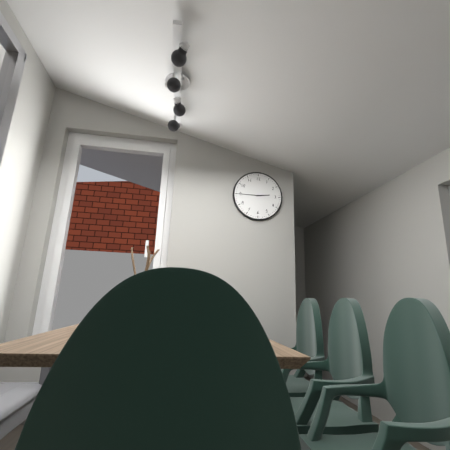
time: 2:45
